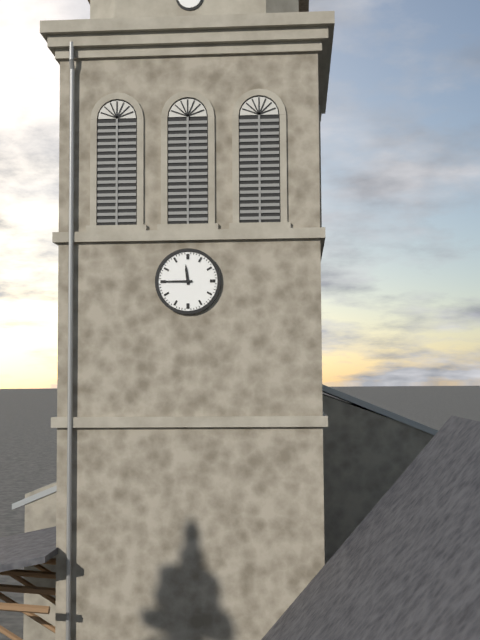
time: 11:45
